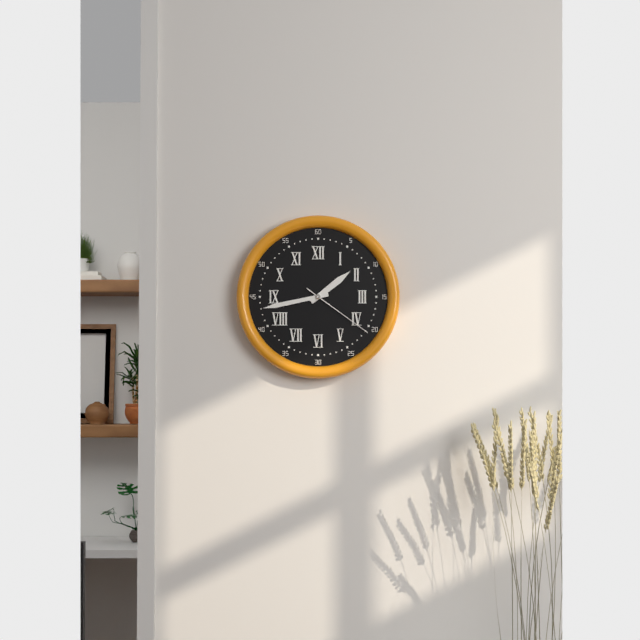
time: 1:43:21
